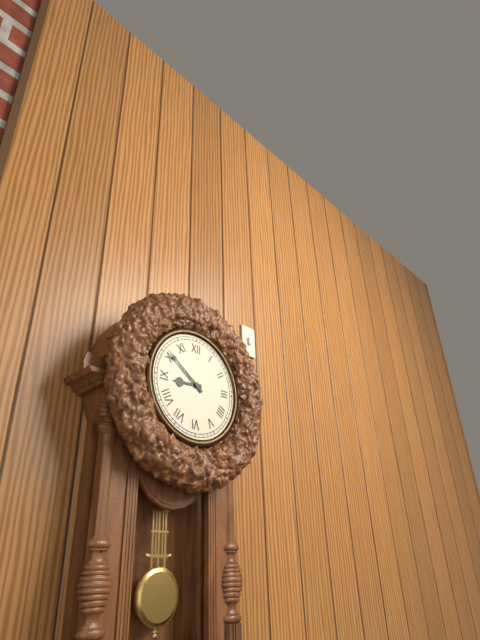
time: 8:51
